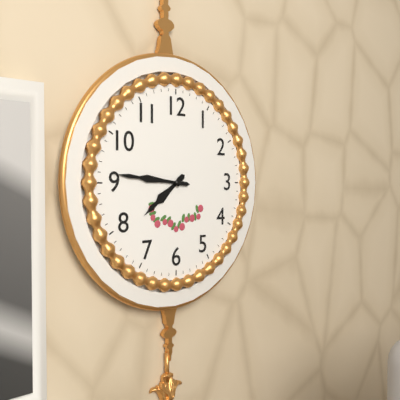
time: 7:46
